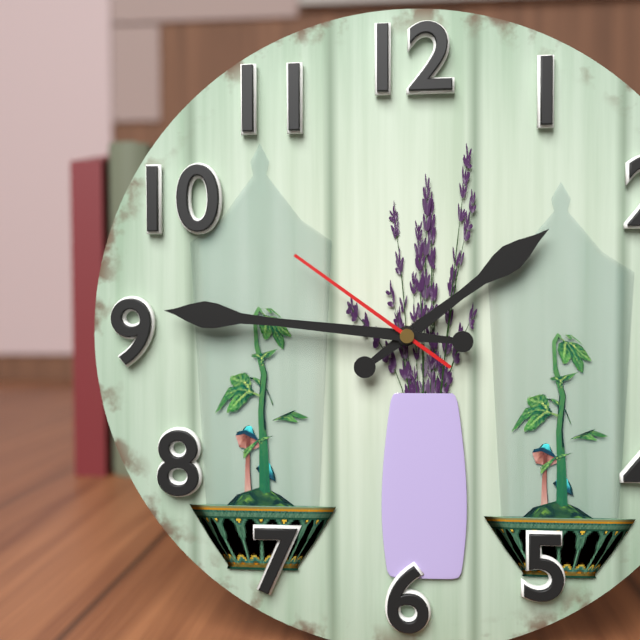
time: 1:46:51
